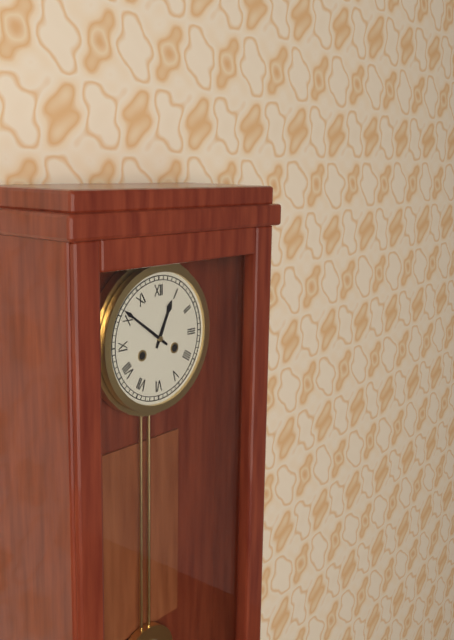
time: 12:51
